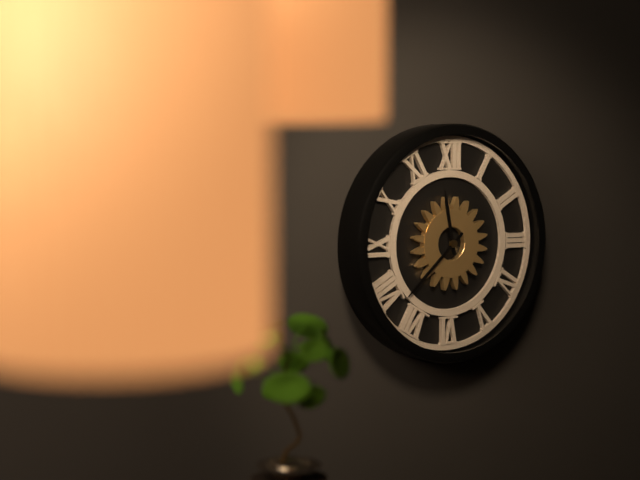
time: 11:38
